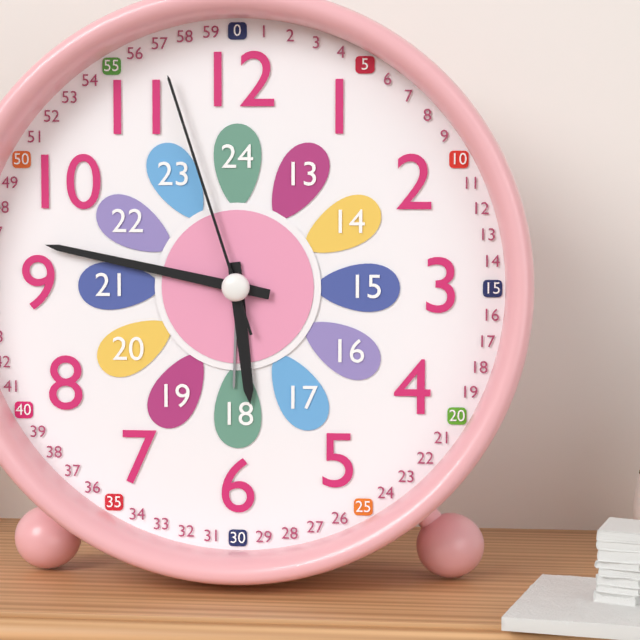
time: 5:47:57
